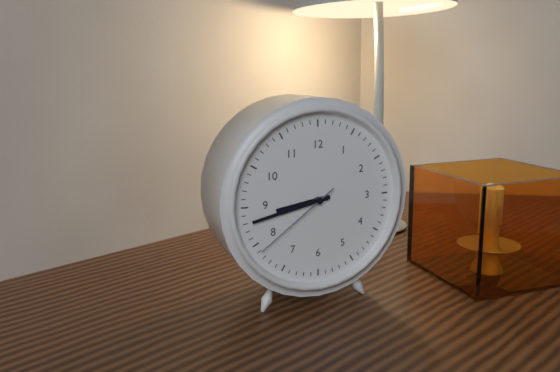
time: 8:43:39
